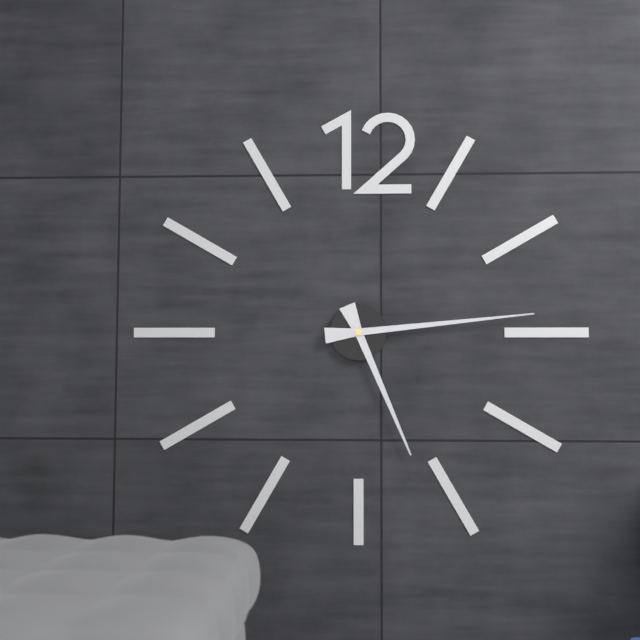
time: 5:14
